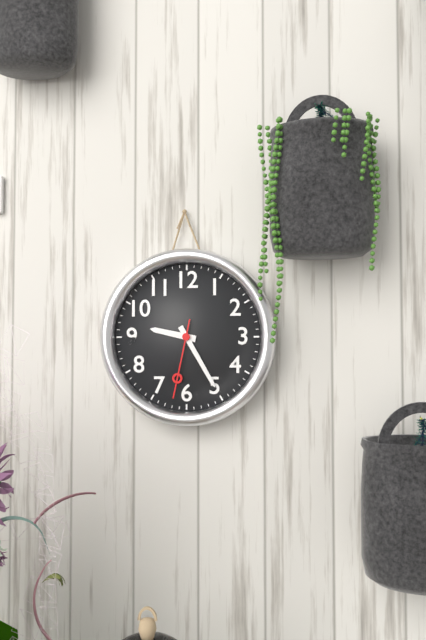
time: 9:25:32
